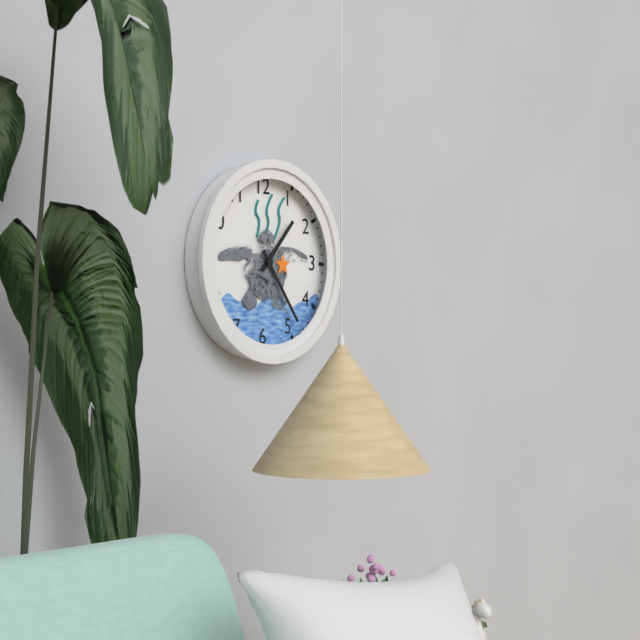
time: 1:24
